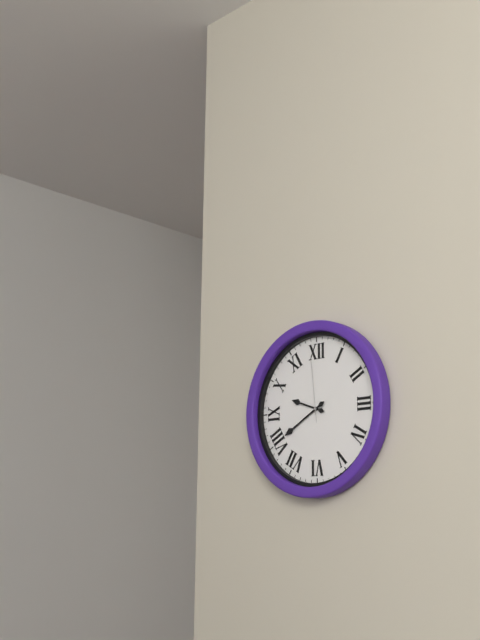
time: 9:40:59
